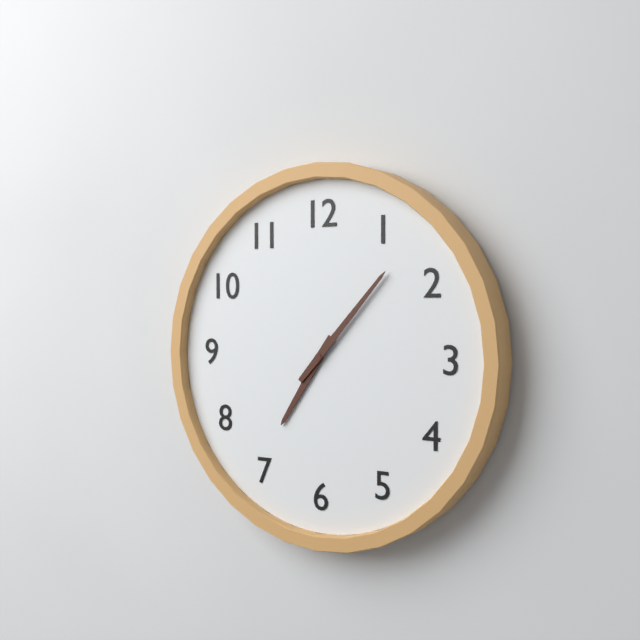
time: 7:07
